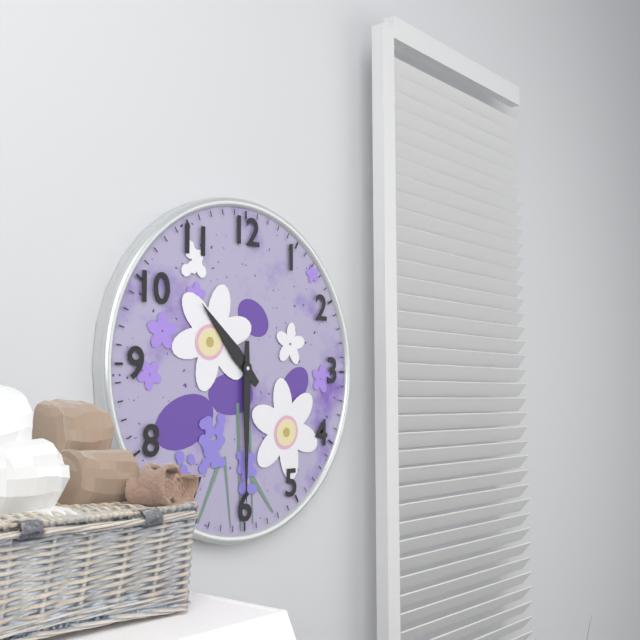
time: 10:30
